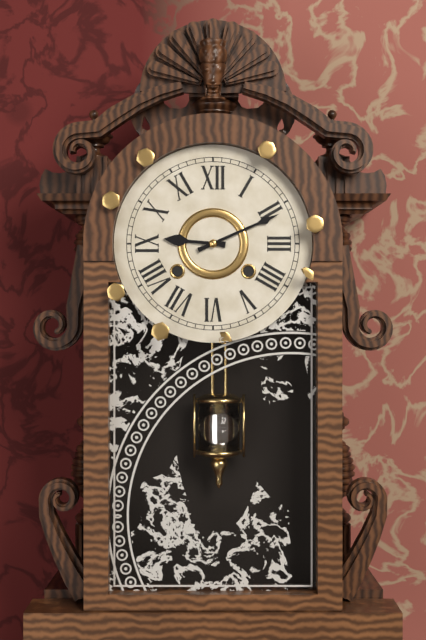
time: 9:11
